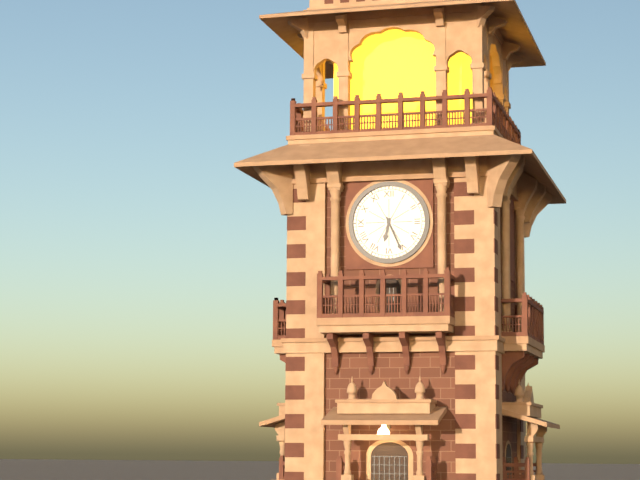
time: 6:26
